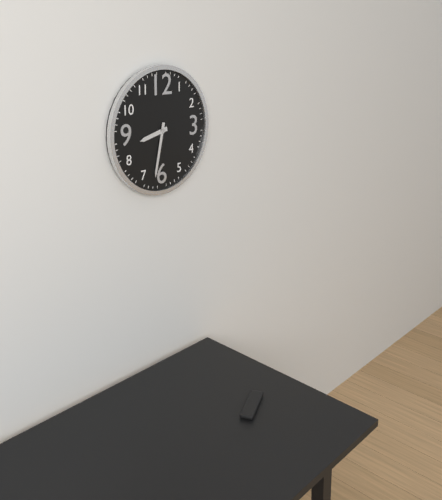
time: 8:32
